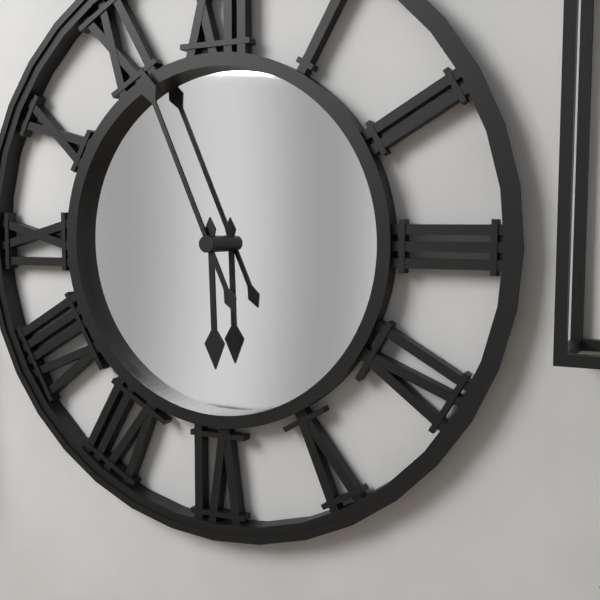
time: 5:56
